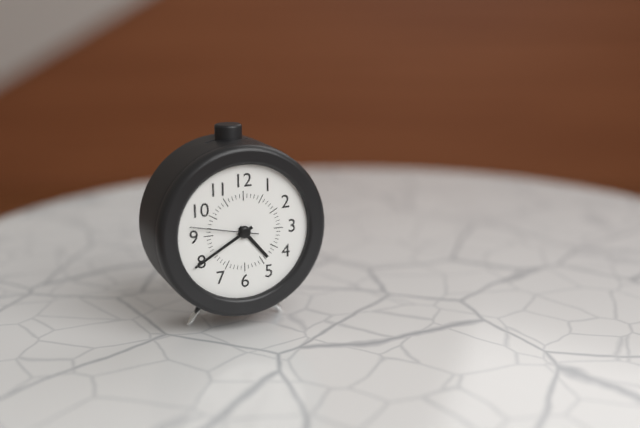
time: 4:40:47
